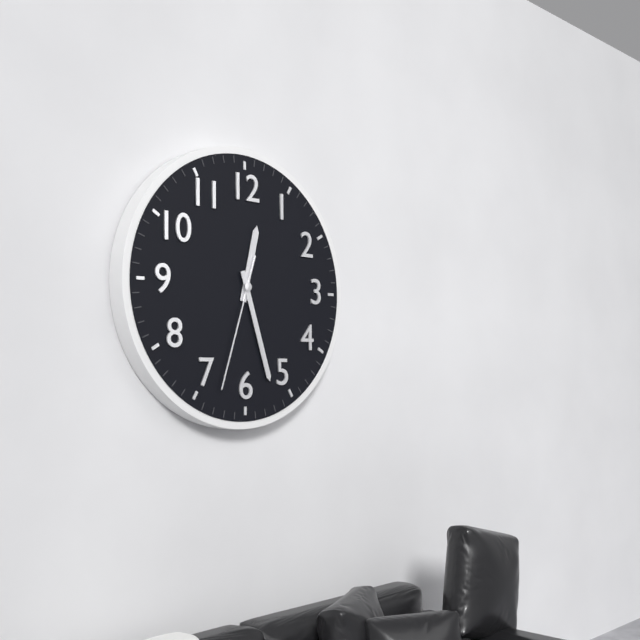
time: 12:27:33
